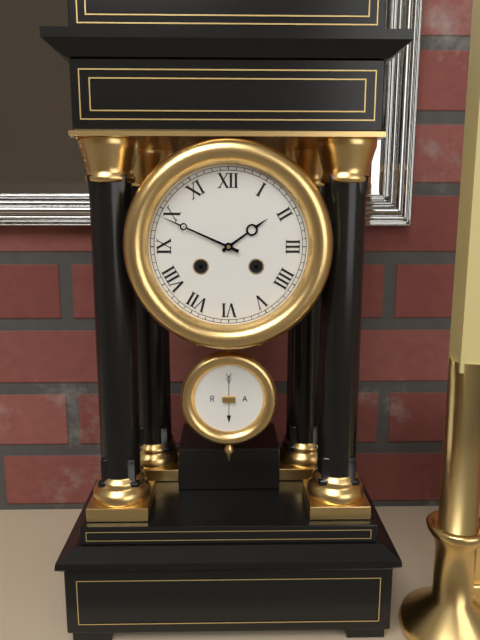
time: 1:49
